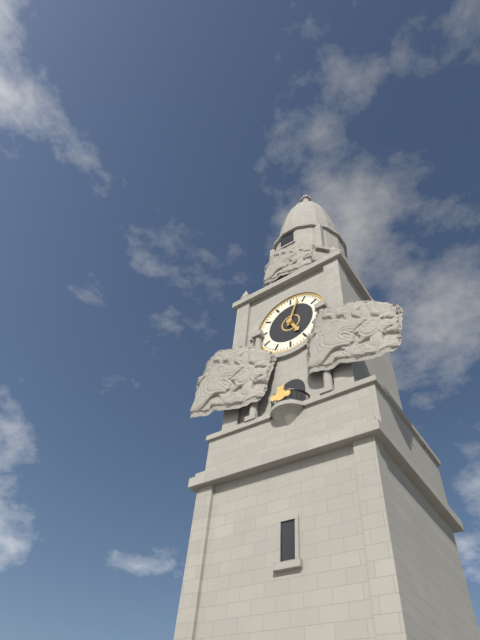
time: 5:03
